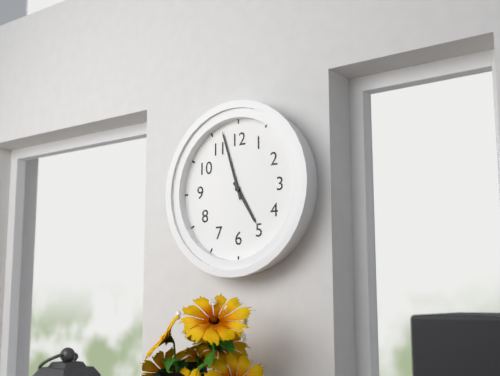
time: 4:57
